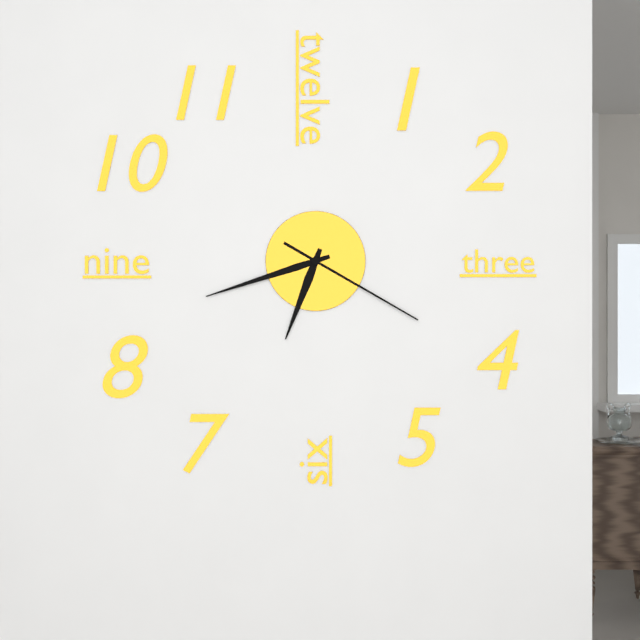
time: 6:42:20
